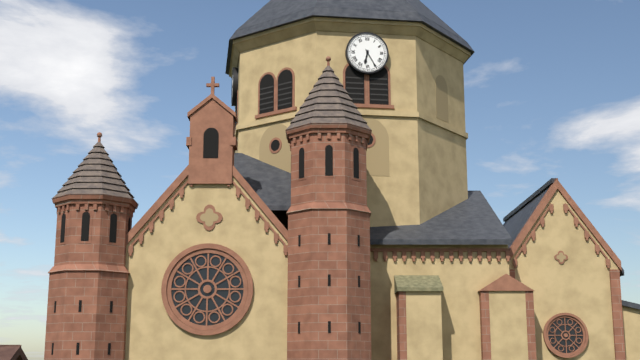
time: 6:25
